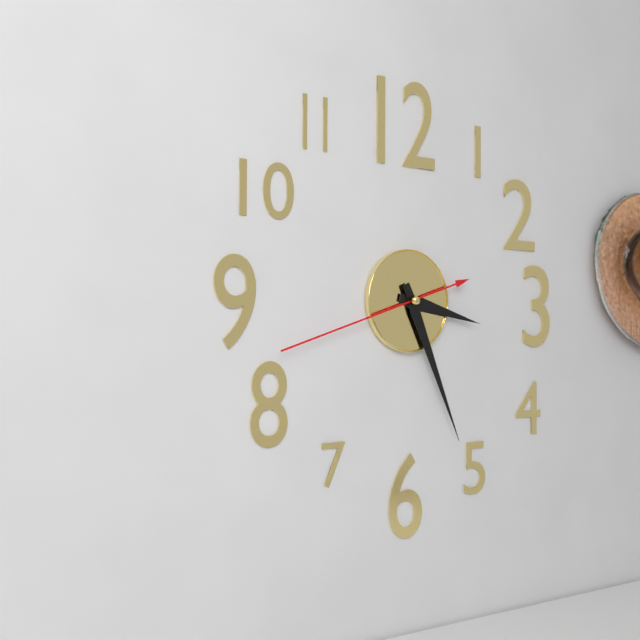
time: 3:26:42
